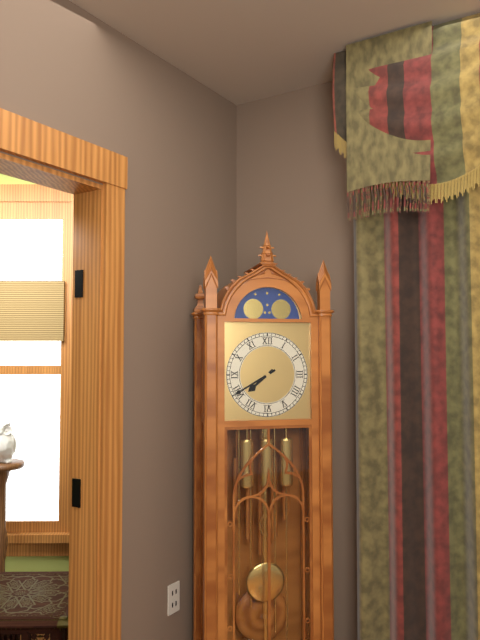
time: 7:40
